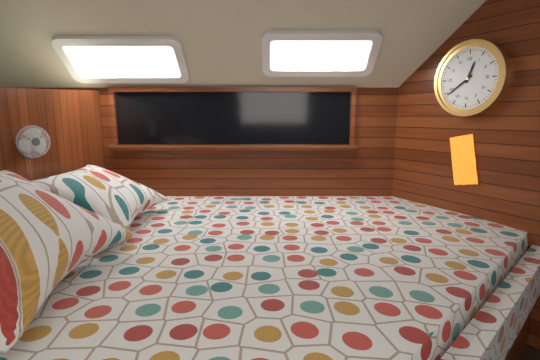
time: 12:39
